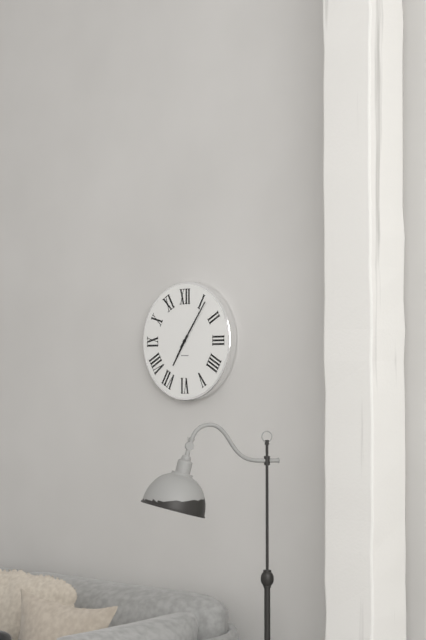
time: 7:06
